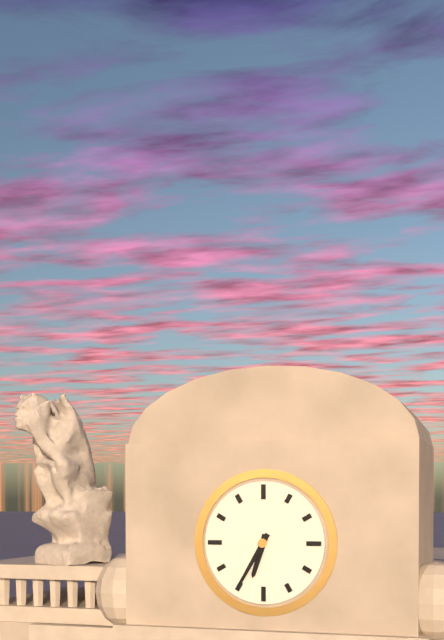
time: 6:35
